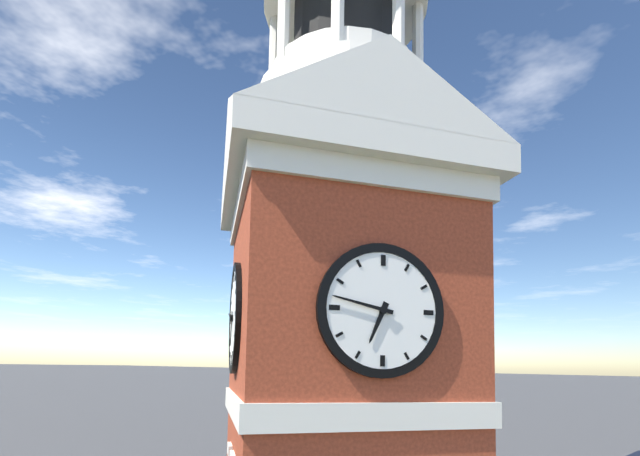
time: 6:47
